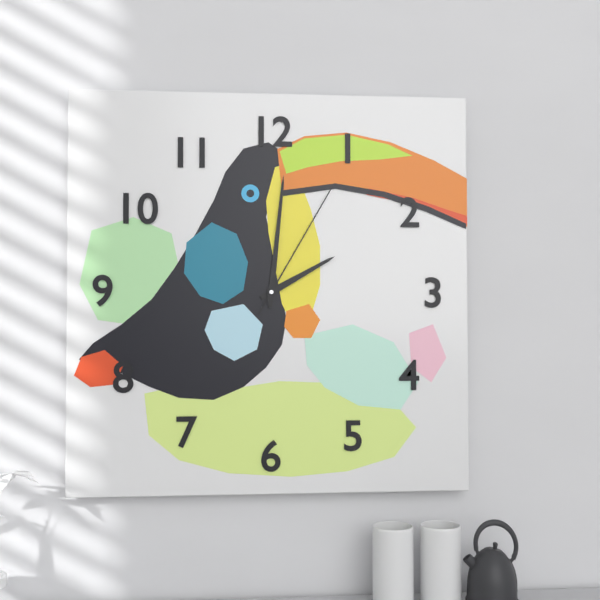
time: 2:01:05
